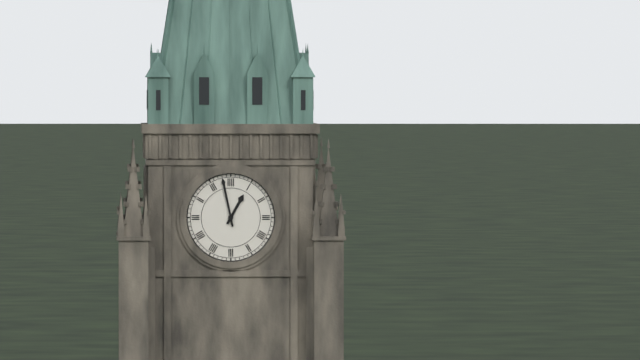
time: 12:58
